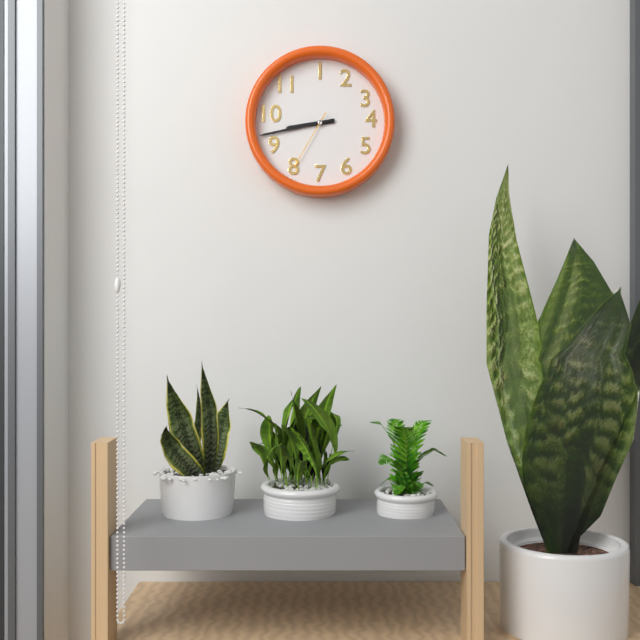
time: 8:43:35
